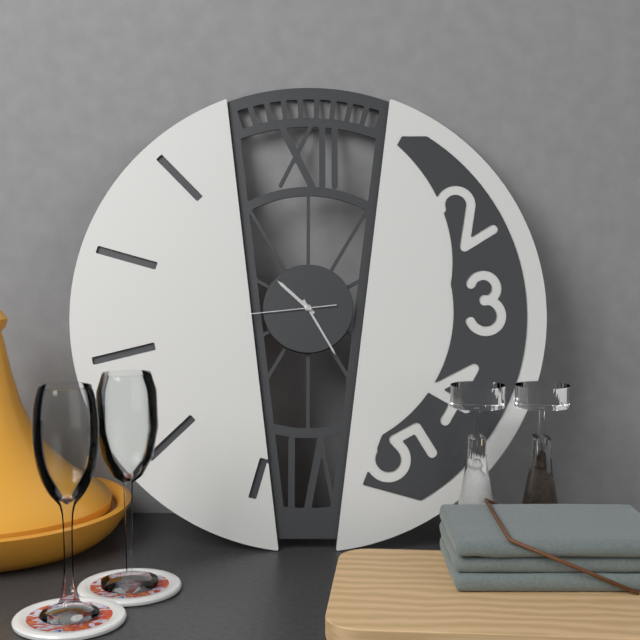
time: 10:25:44
